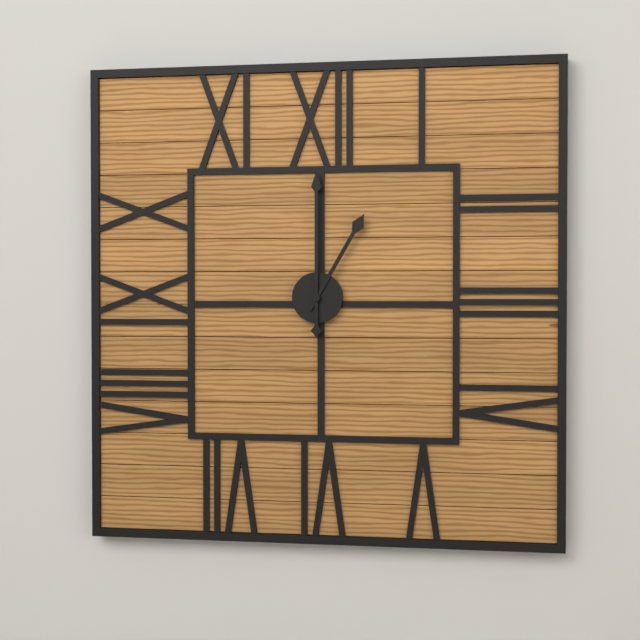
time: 1:00
